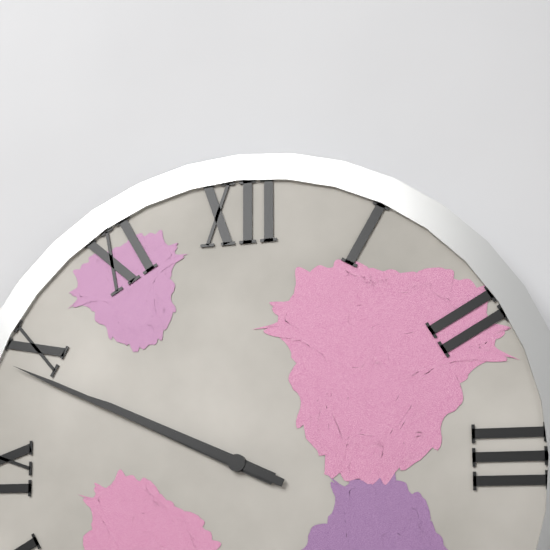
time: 9:49
